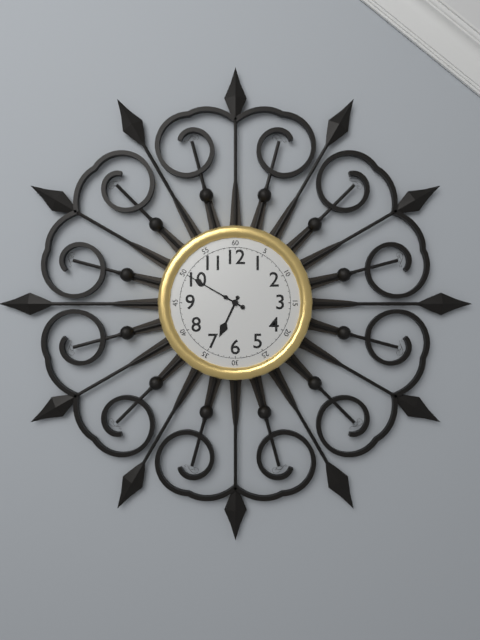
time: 6:50
